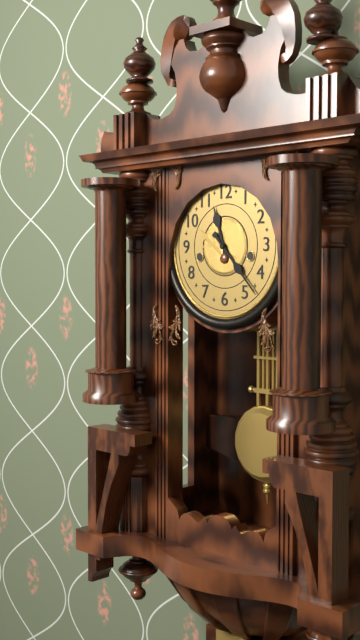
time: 11:23
